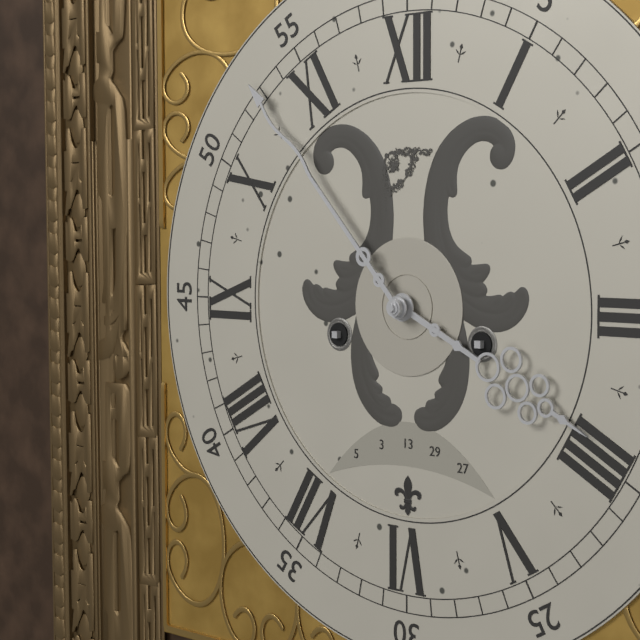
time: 3:53
